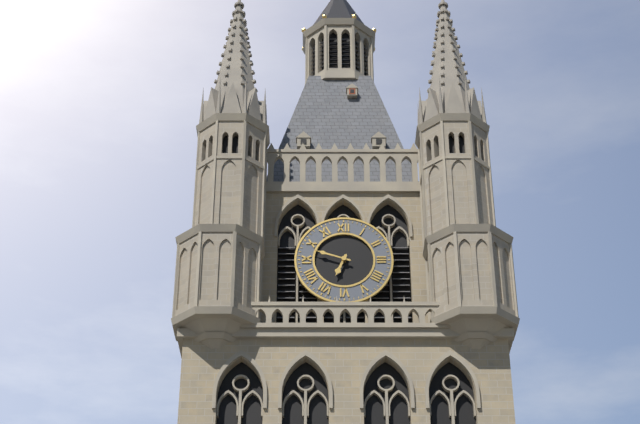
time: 6:48
